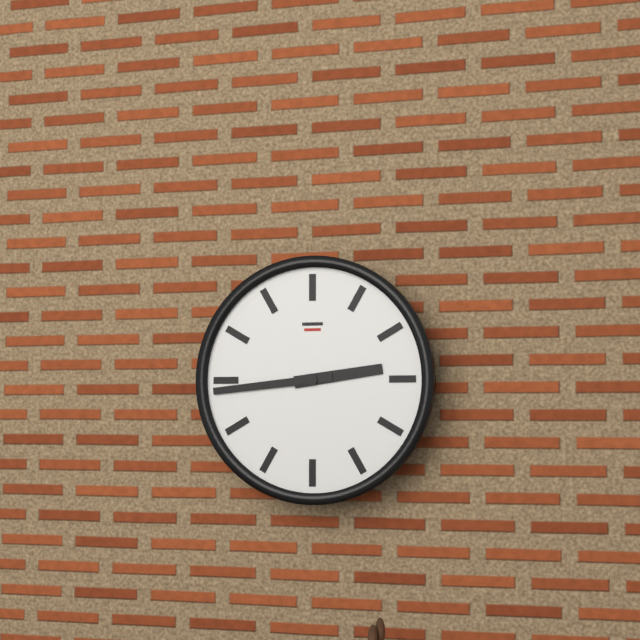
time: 2:44
